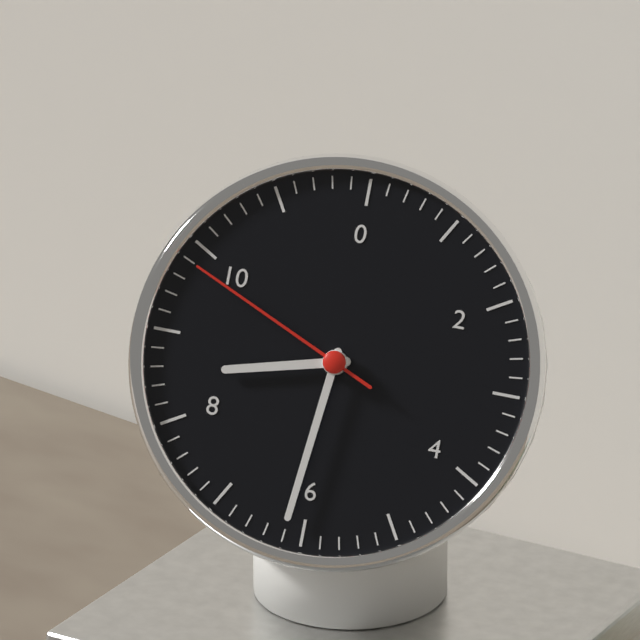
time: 8:31:49
